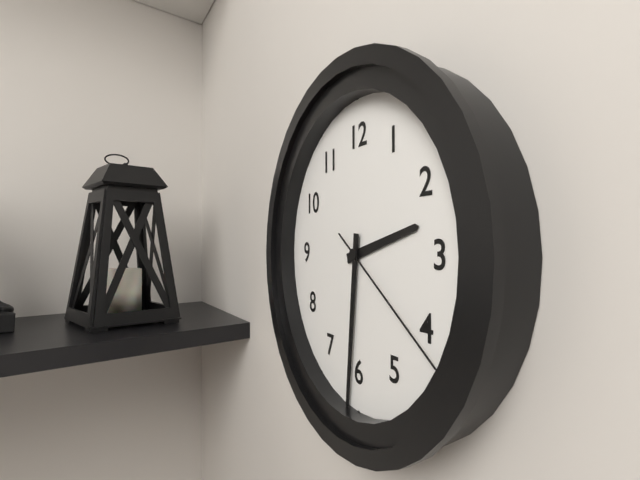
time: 2:31:21
